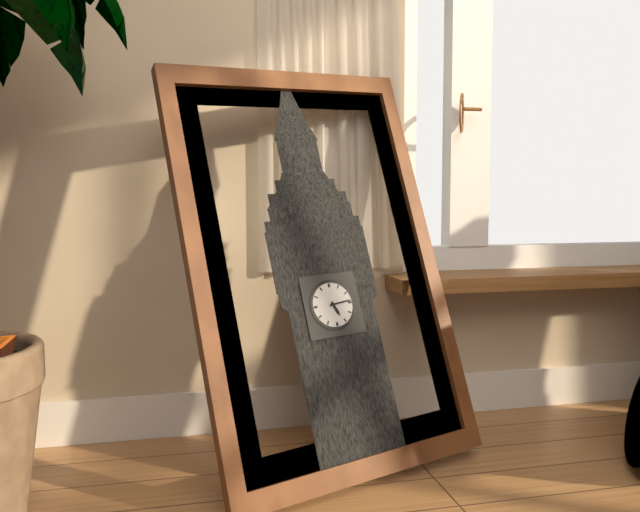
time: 5:14
